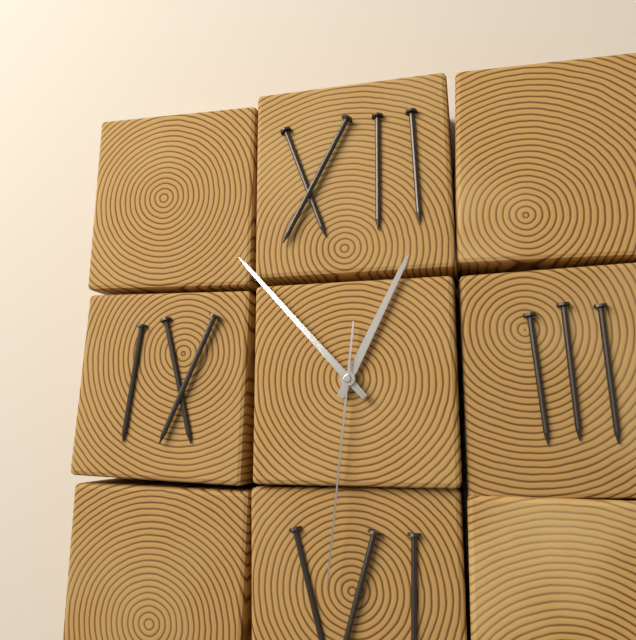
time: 12:53:31
